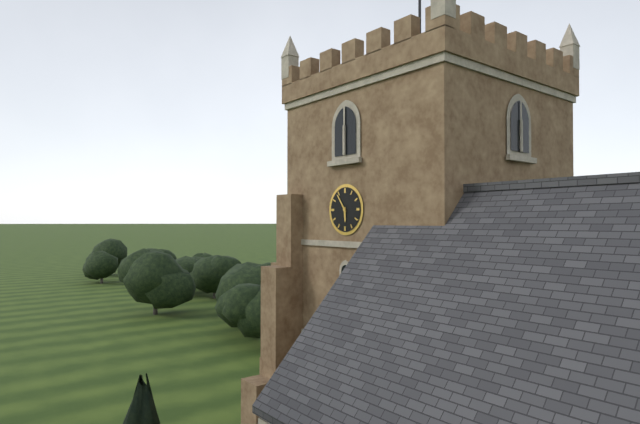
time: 5:54
